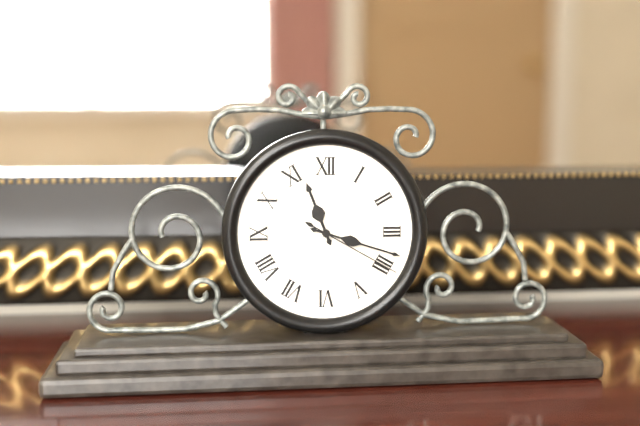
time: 11:18:20
